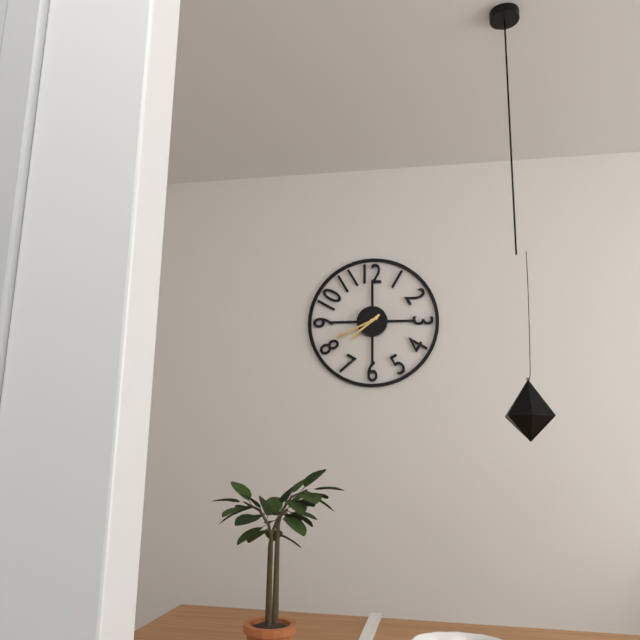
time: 7:41
